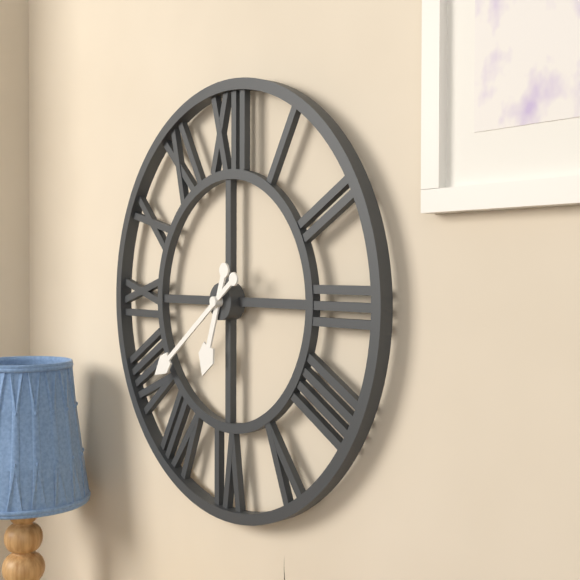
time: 6:39
